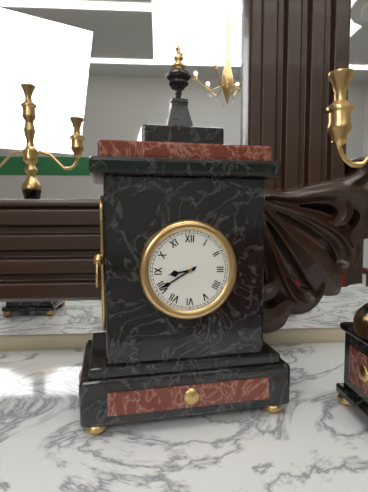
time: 8:40
